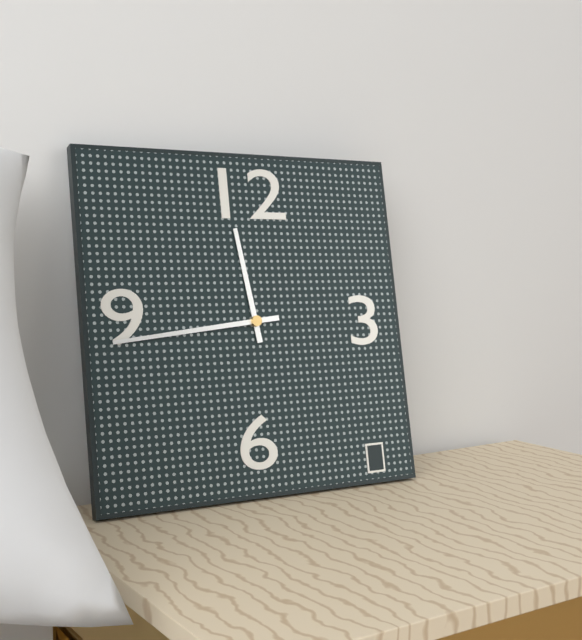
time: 11:44
